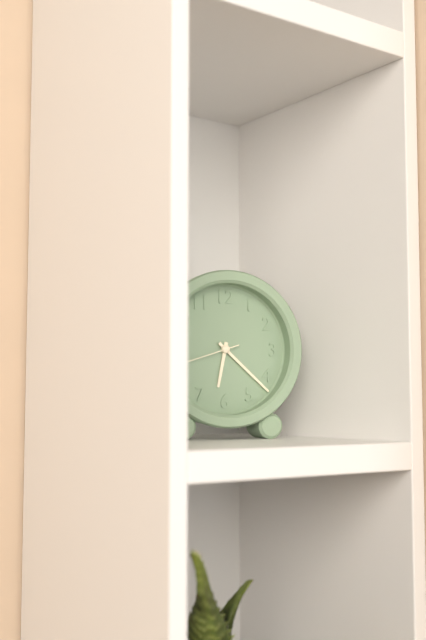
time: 6:22:42
